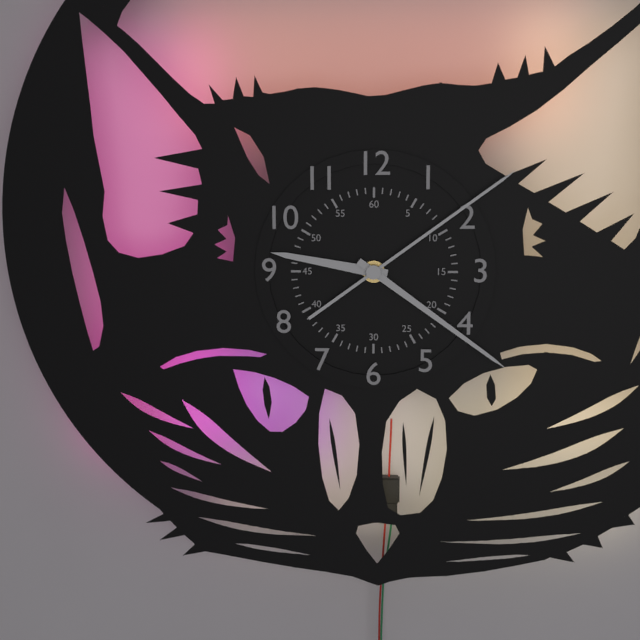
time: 9:21:09
